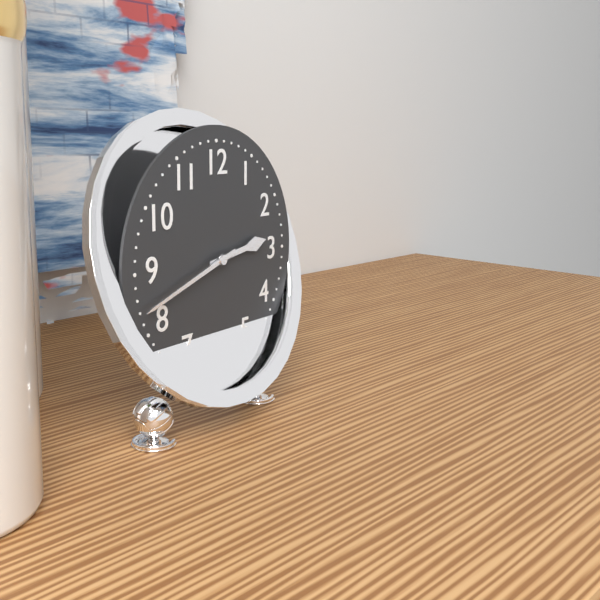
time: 2:42
